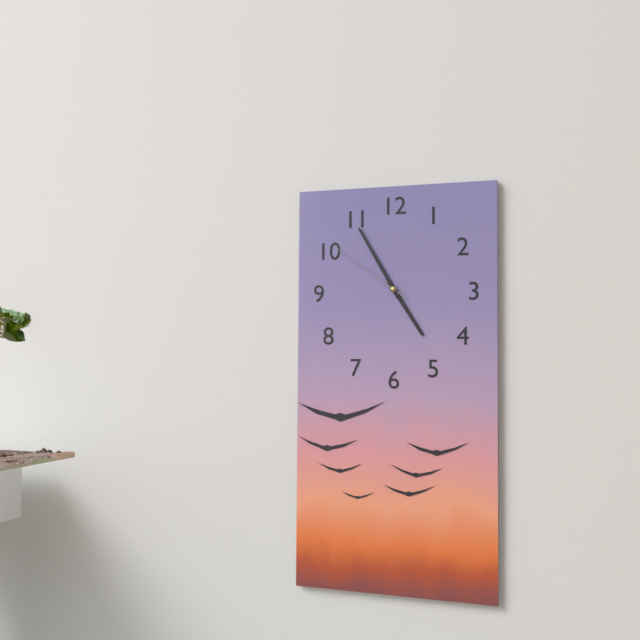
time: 4:55:51
